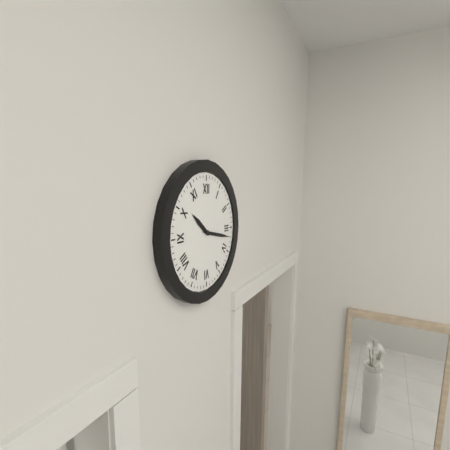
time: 10:17
